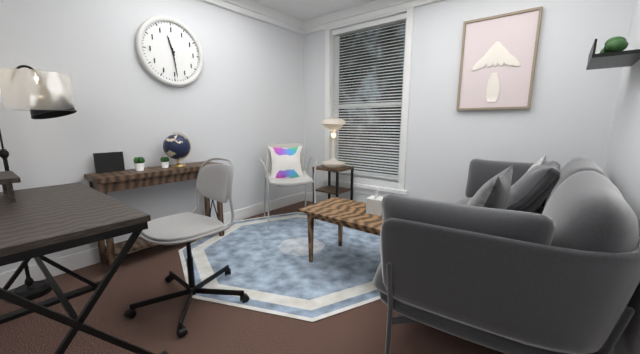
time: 11:29
